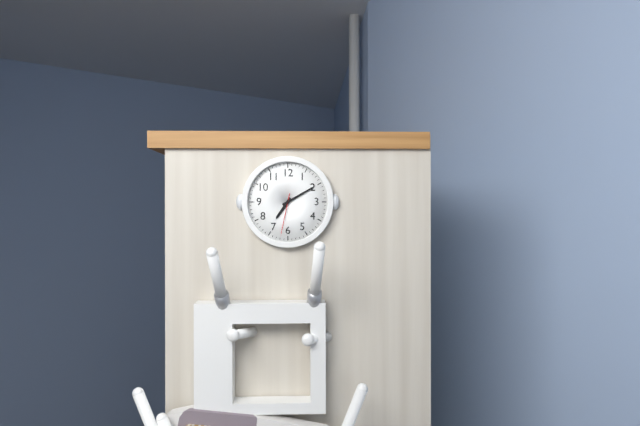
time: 7:10
